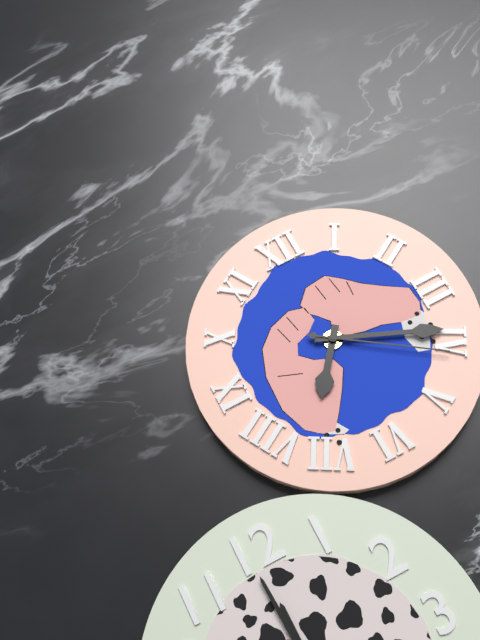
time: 7:19:21
